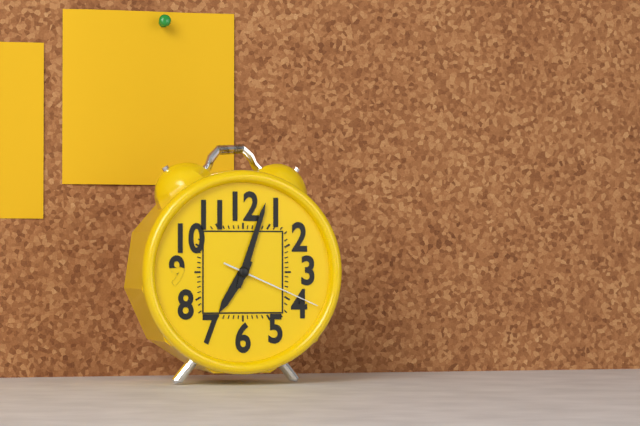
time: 7:03:19
